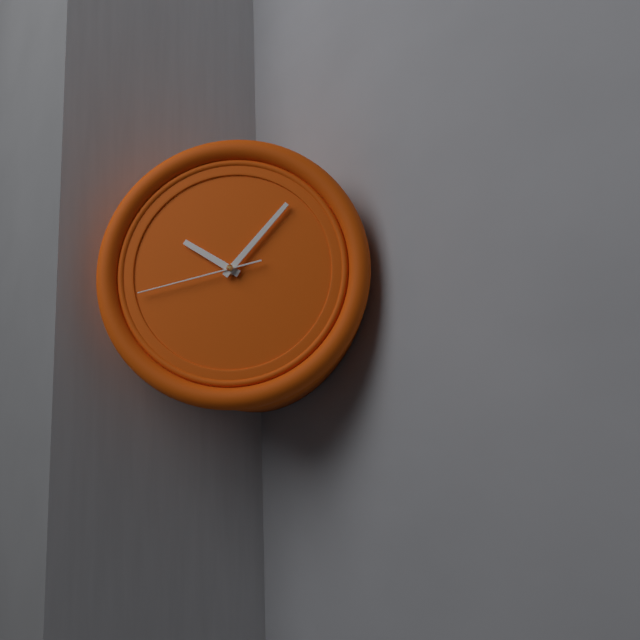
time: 10:07:43
